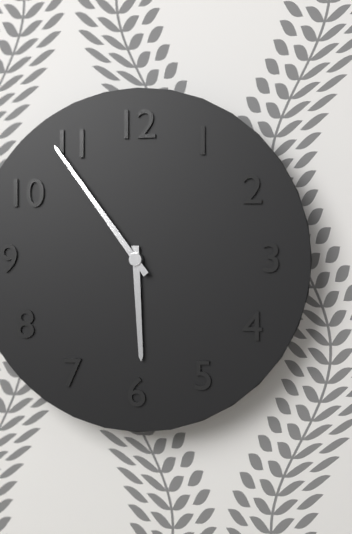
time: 5:54
